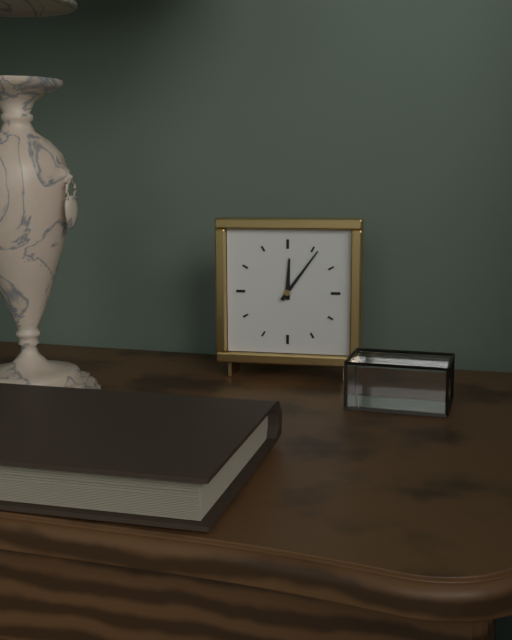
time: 12:06
